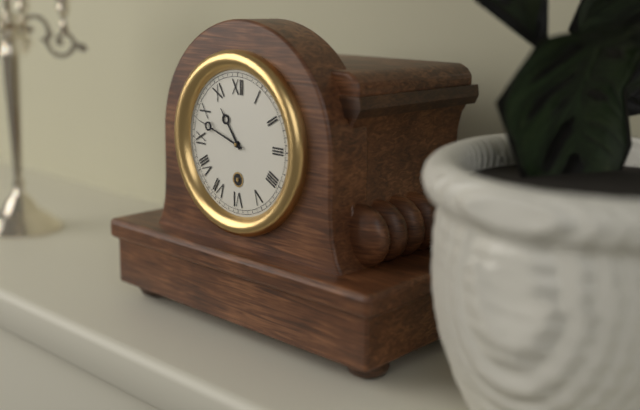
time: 10:48
